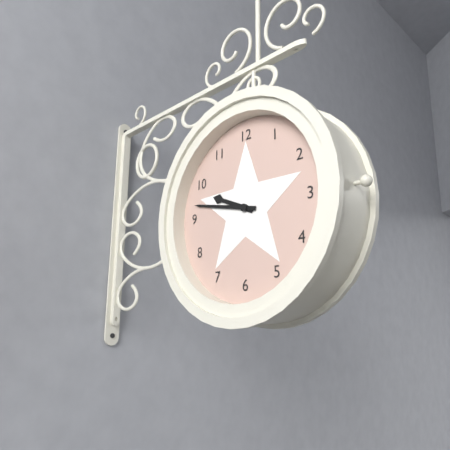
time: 9:47
